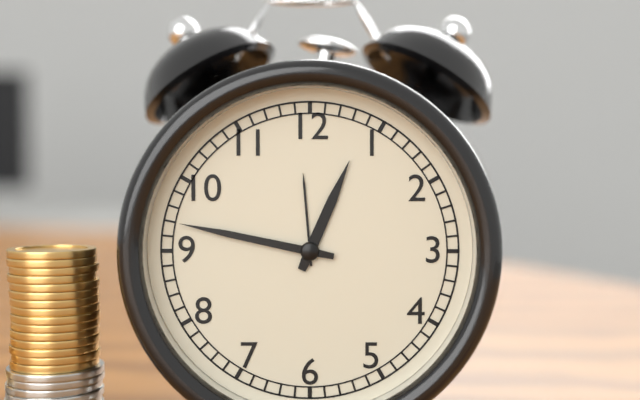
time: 12:47
